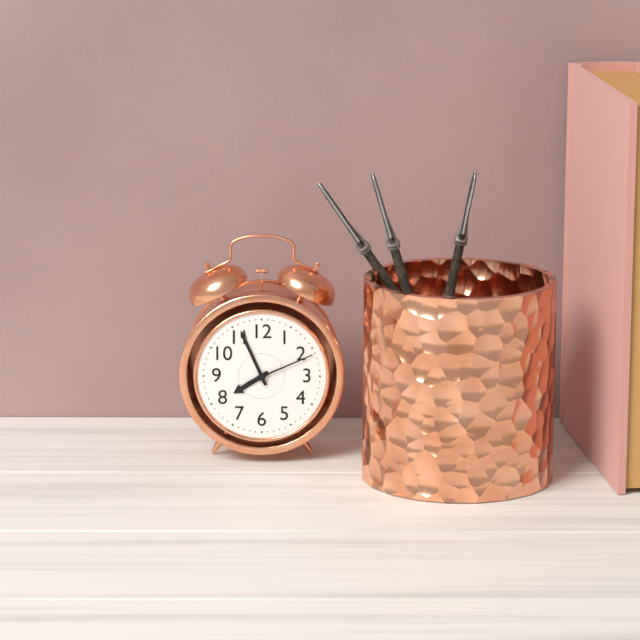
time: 7:56:11
